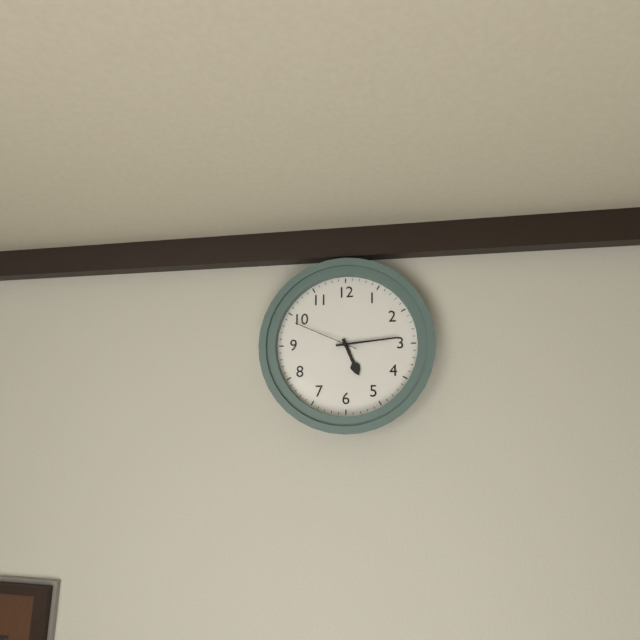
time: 5:14:49
